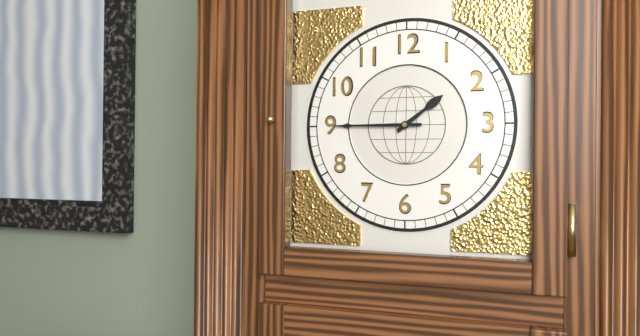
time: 1:45
